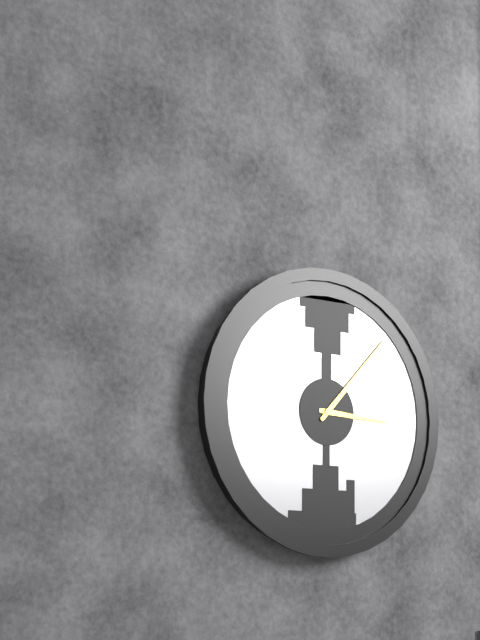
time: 3:07
